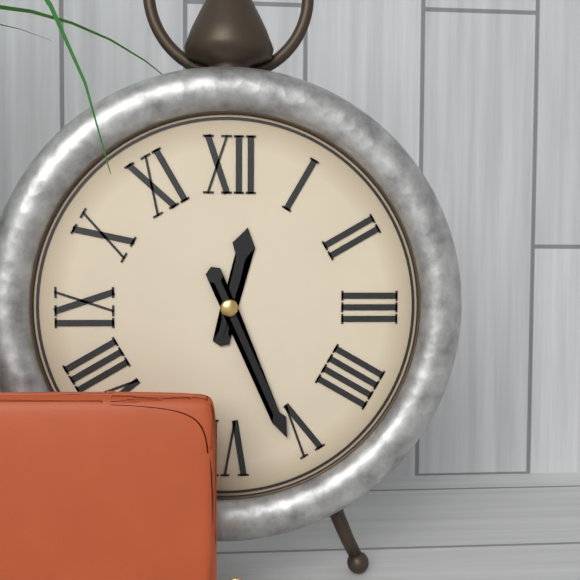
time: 12:26
